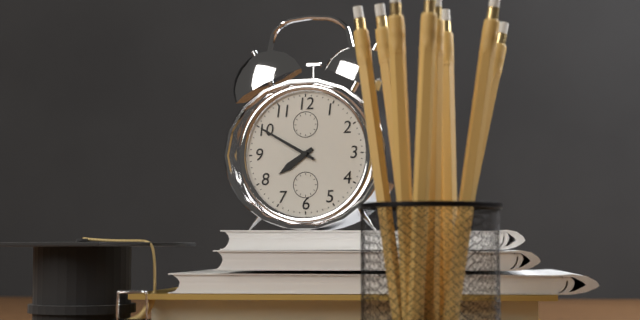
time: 7:50
